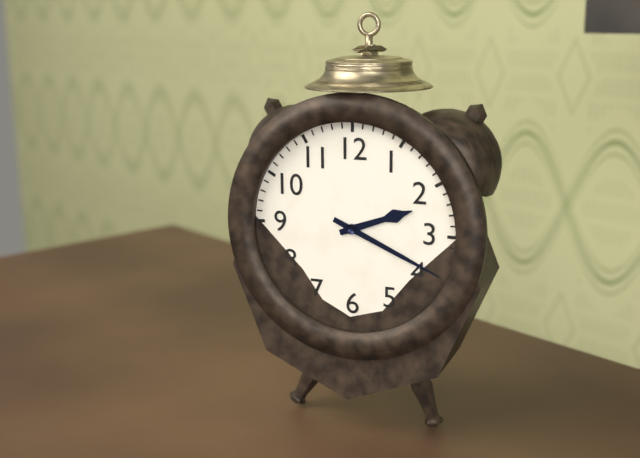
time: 2:19
